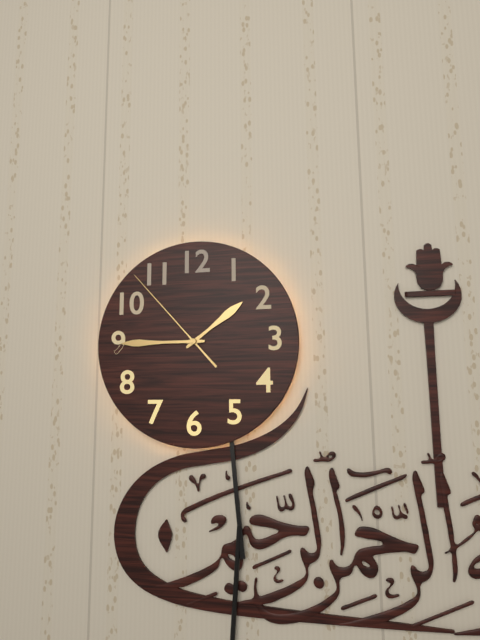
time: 1:45:53
